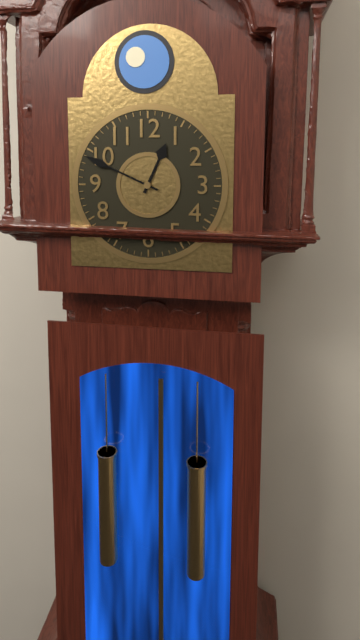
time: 12:49
